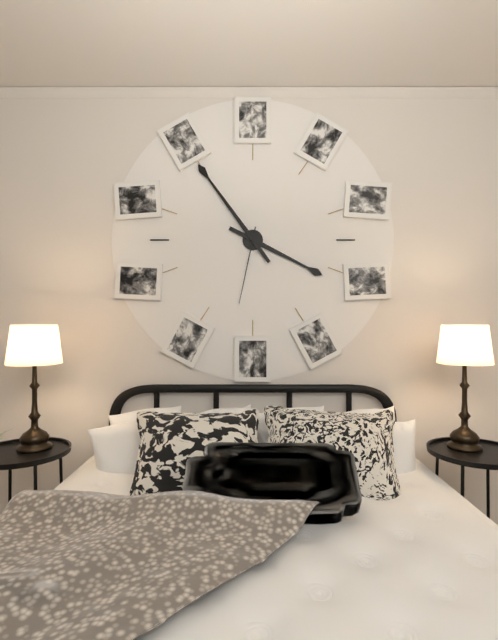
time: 3:54:32
